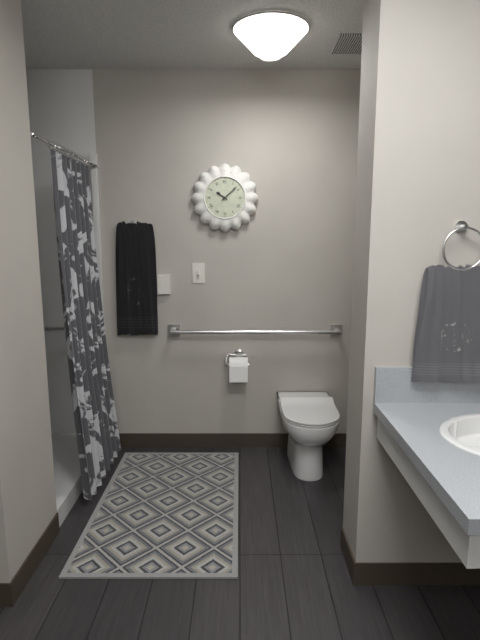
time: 10:08
